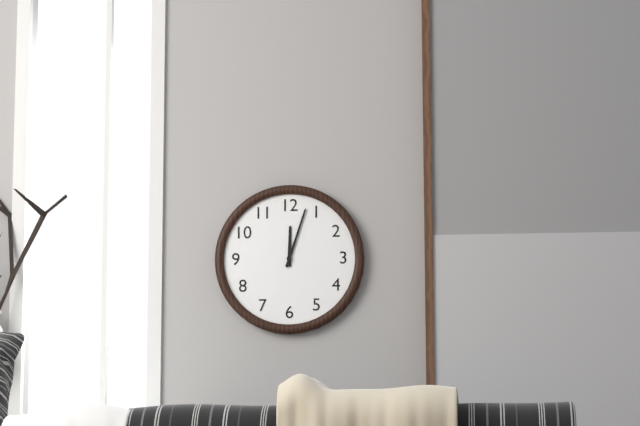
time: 12:03
